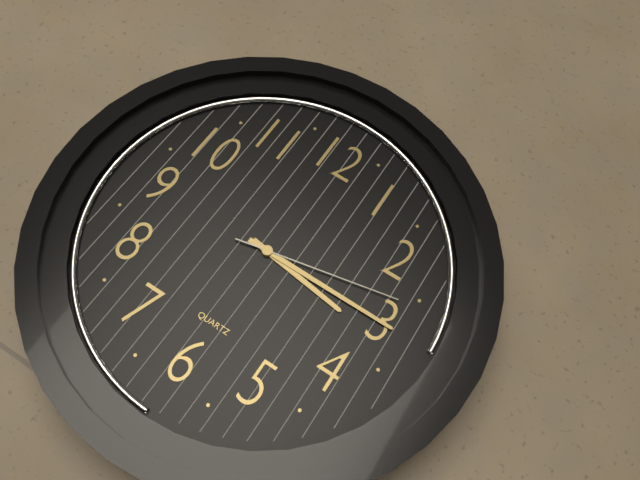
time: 3:15:13
